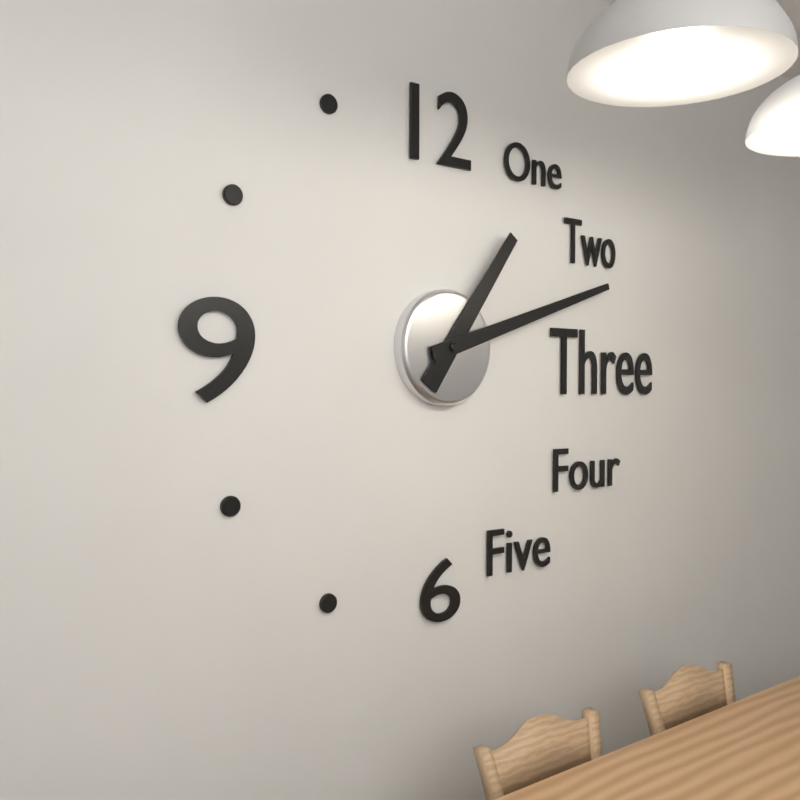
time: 1:12
